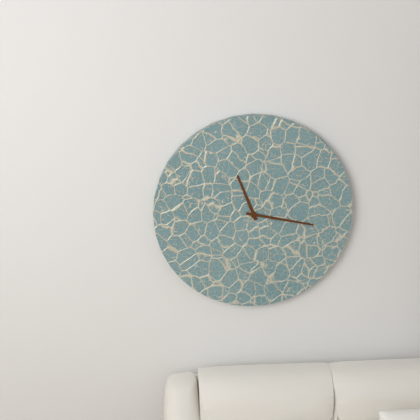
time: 11:17
